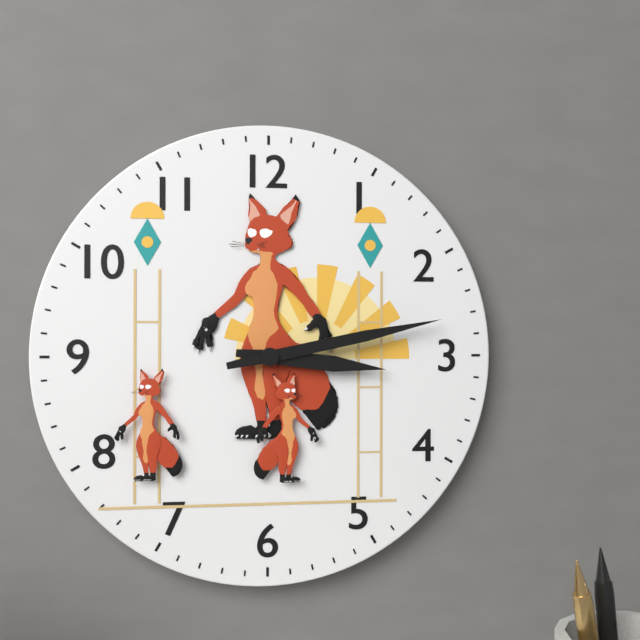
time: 3:13
